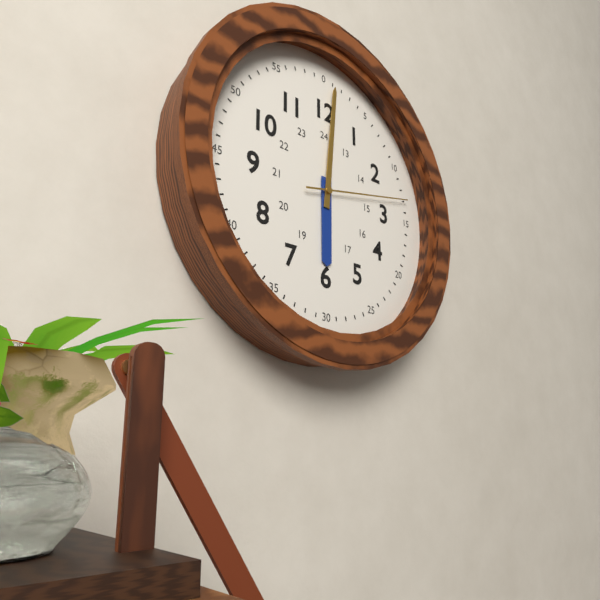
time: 6:01:13
